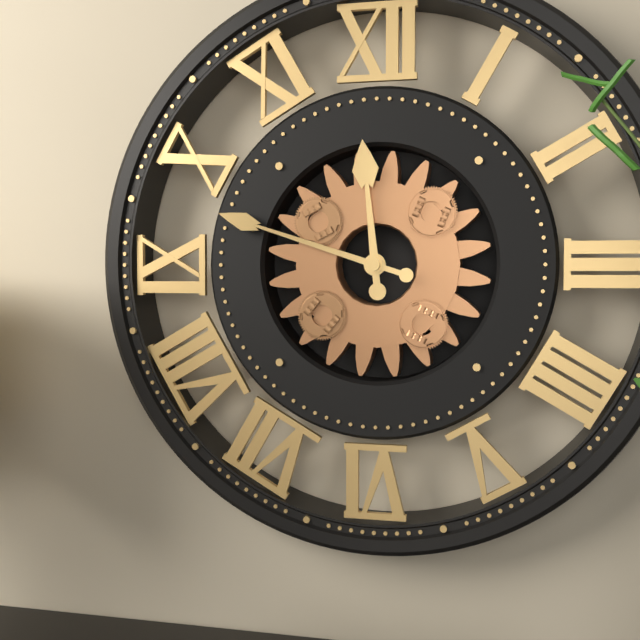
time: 11:48
